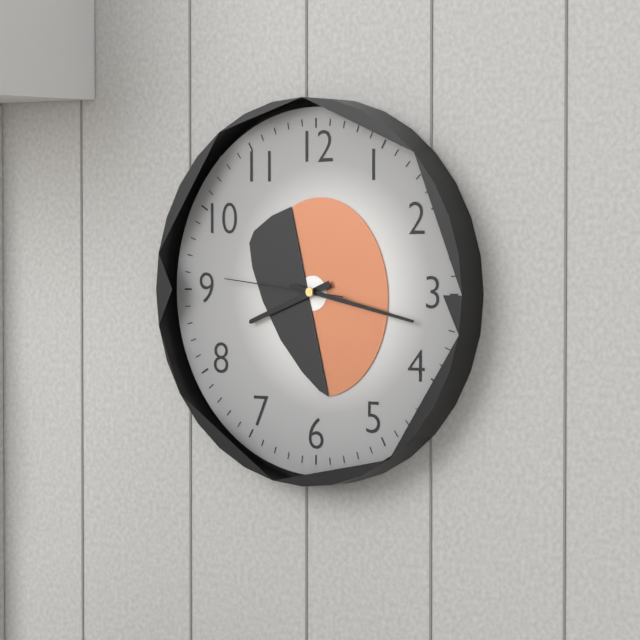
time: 8:17:46
